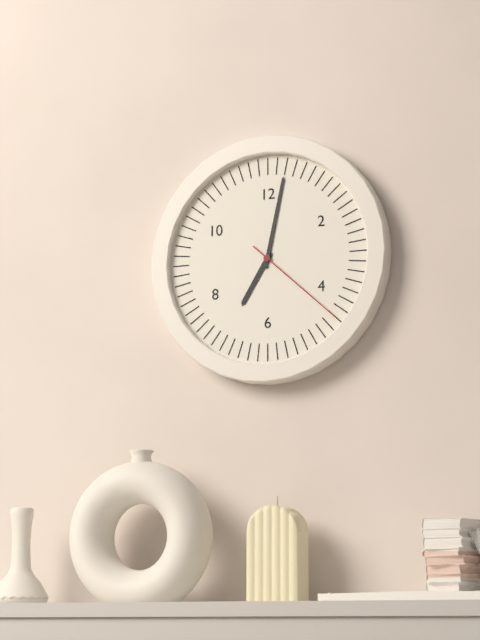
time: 7:02:22
